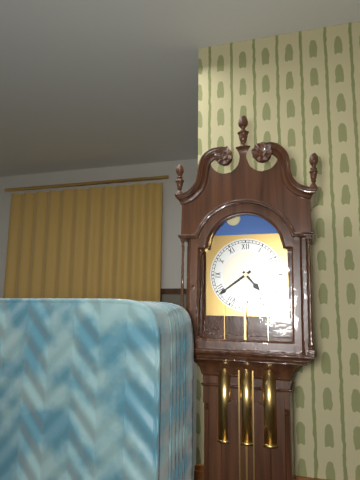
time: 4:39
